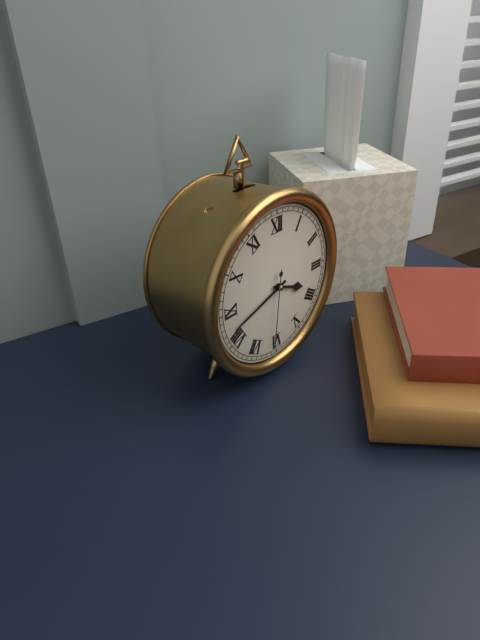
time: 3:42:31
